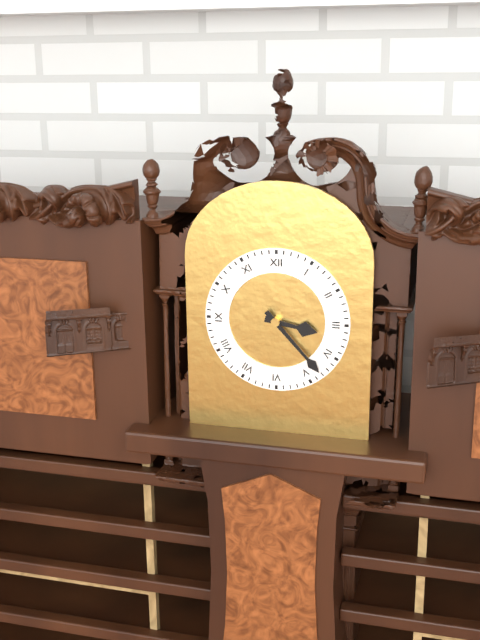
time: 3:23
